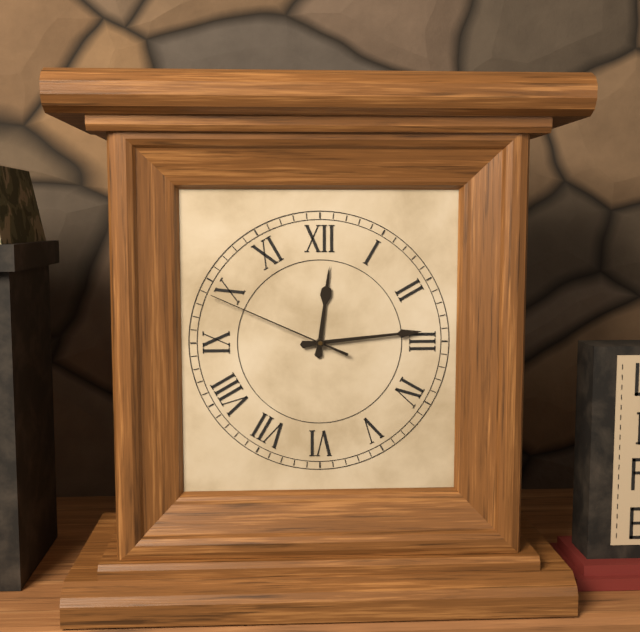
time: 12:14:49
